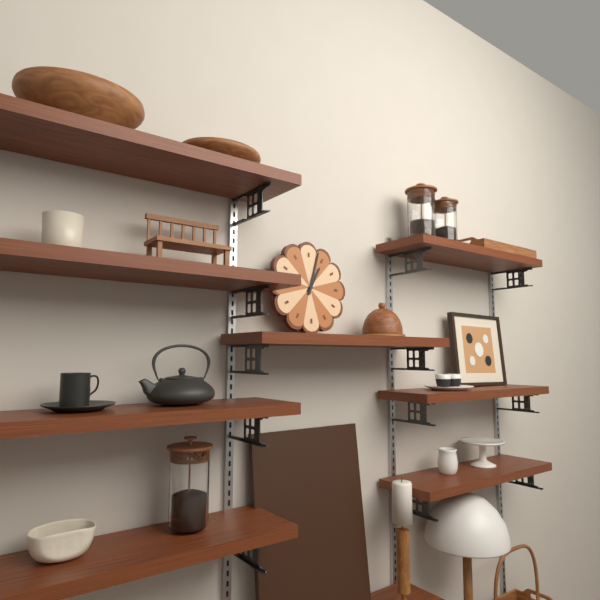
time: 1:03
